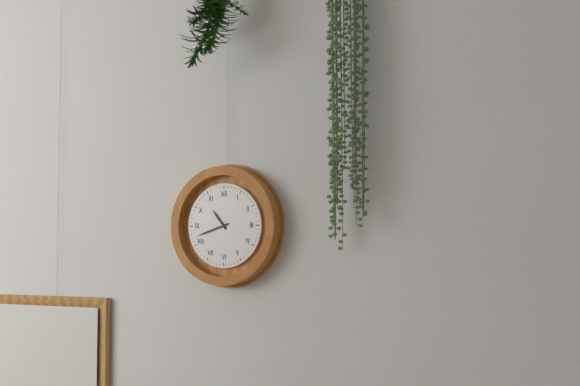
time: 10:42
